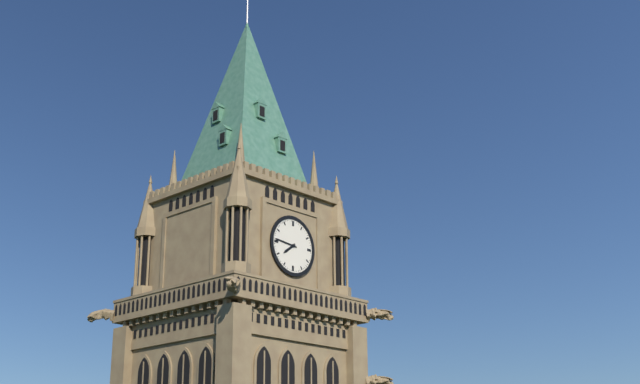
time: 7:46
